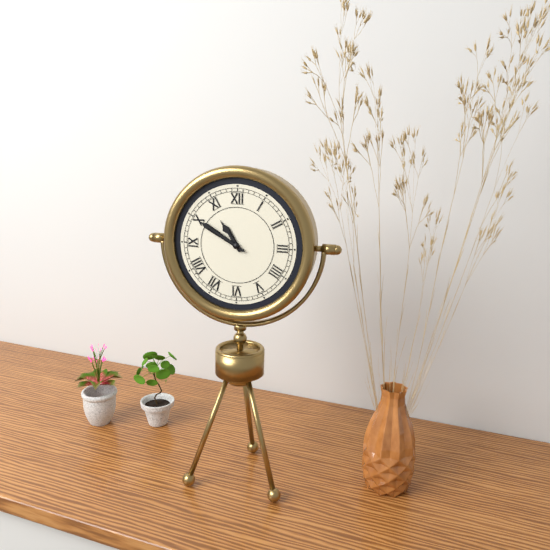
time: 10:50
